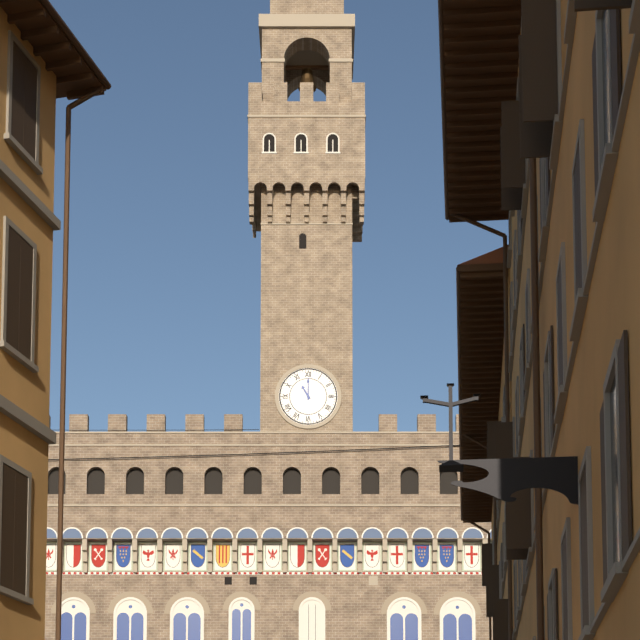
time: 11:00
